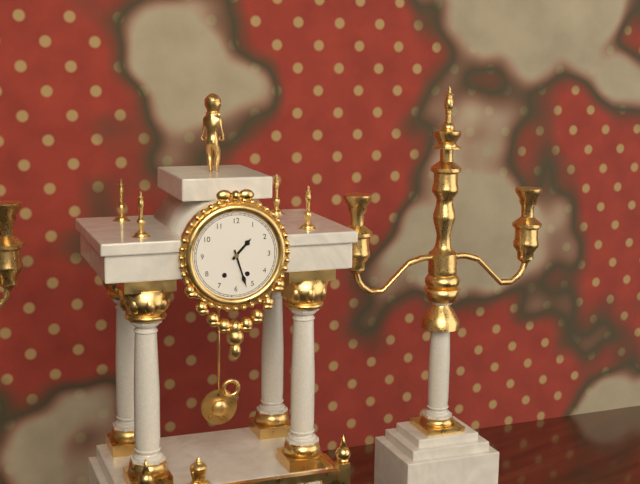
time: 1:27
